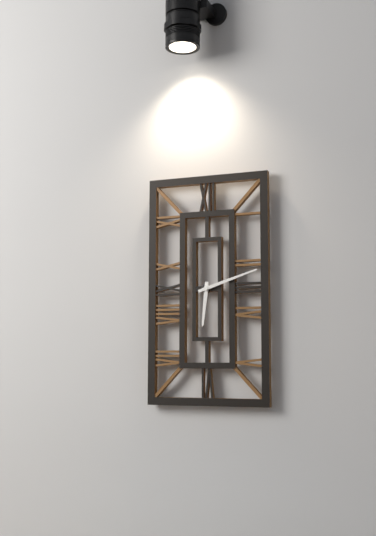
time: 6:12
